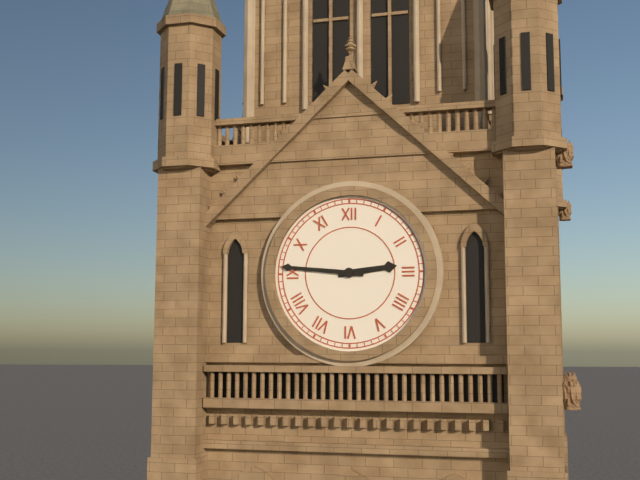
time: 2:46
